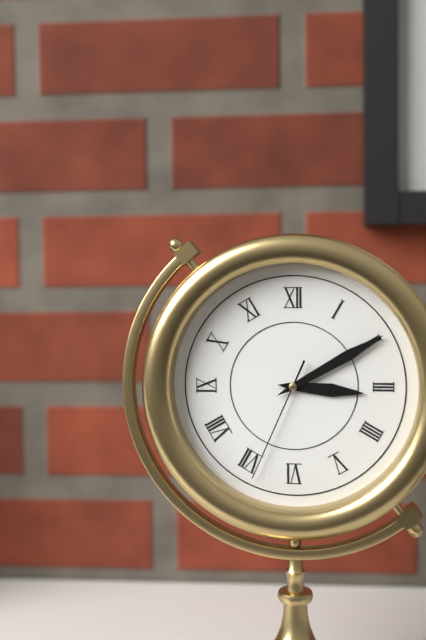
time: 3:10:34
